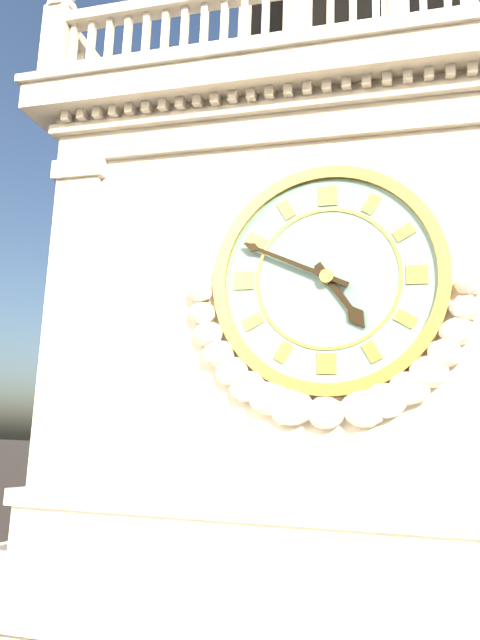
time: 4:49
